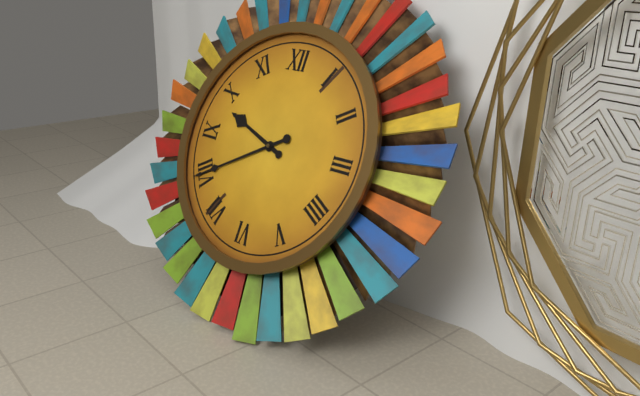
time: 9:40
